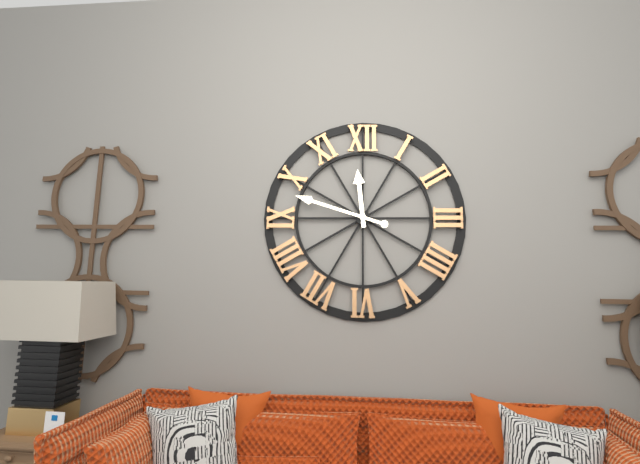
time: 11:48
